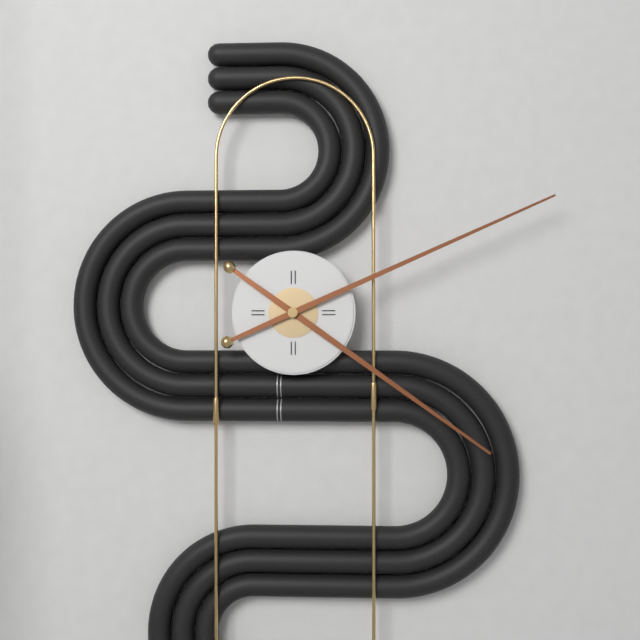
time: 4:11
